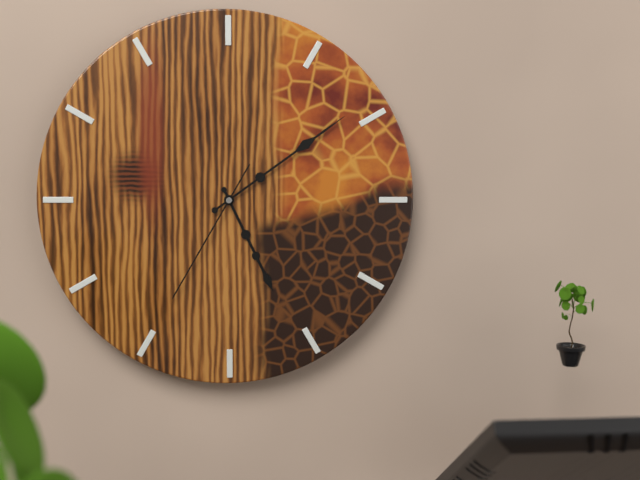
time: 5:09:35
